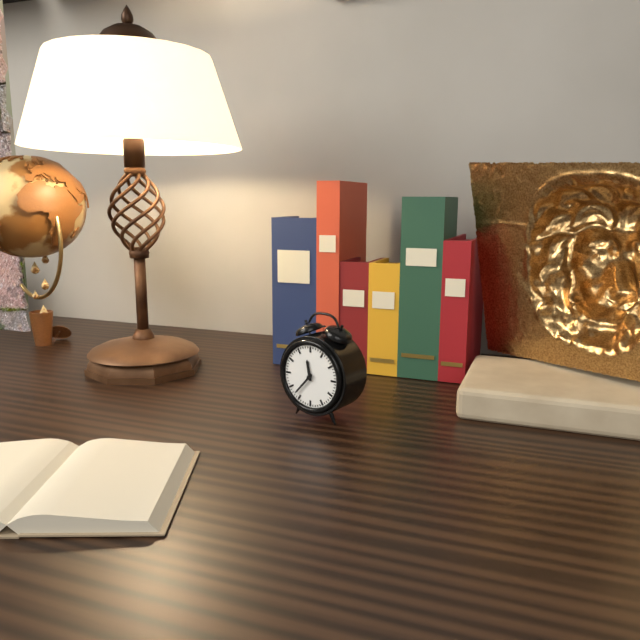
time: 11:37
